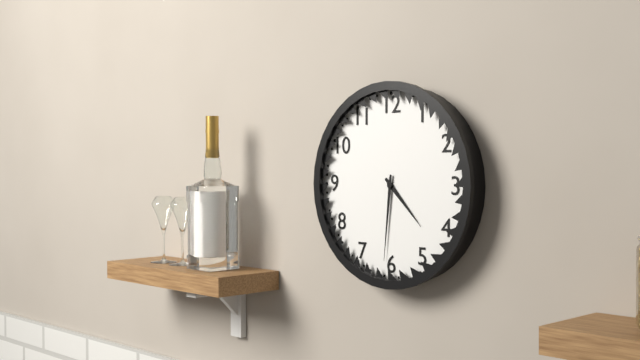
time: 4:31
